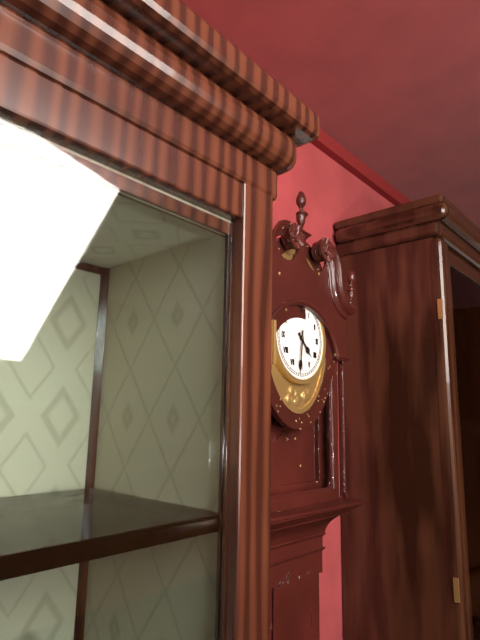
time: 4:31
